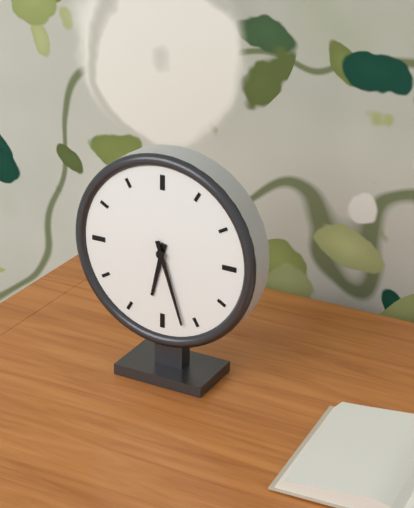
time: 6:27
